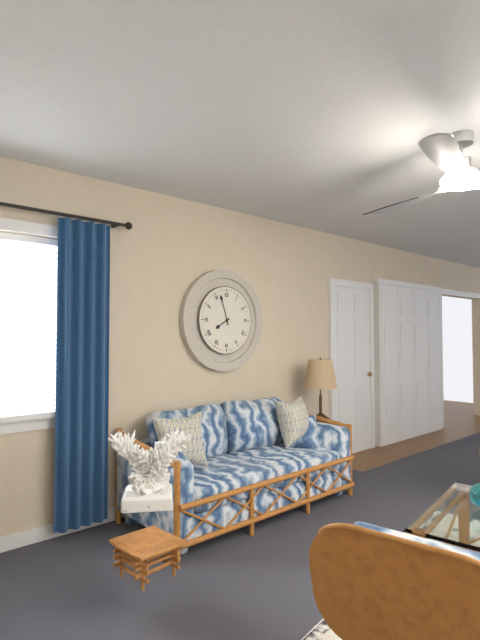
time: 7:57
